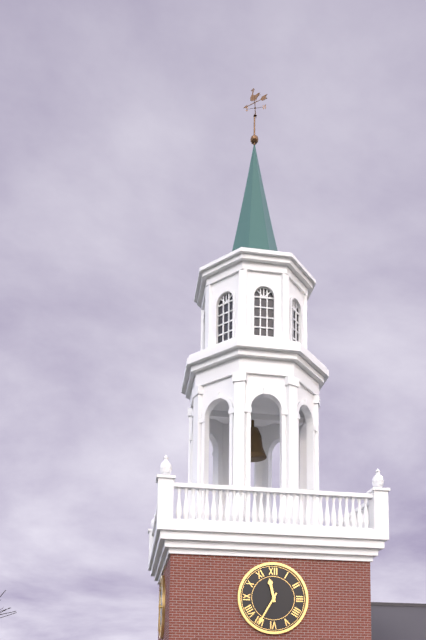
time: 11:35
